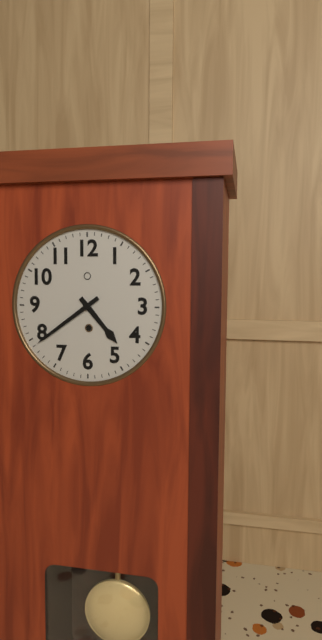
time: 4:39
